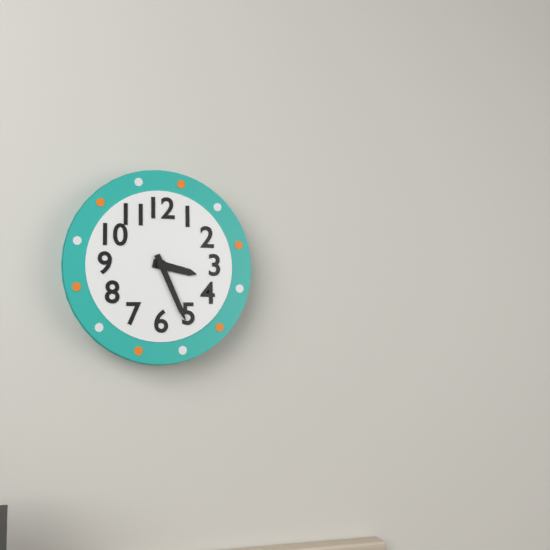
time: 3:26
